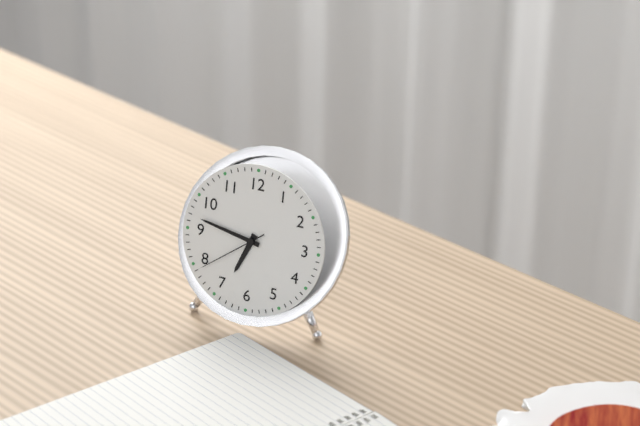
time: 6:47:39
